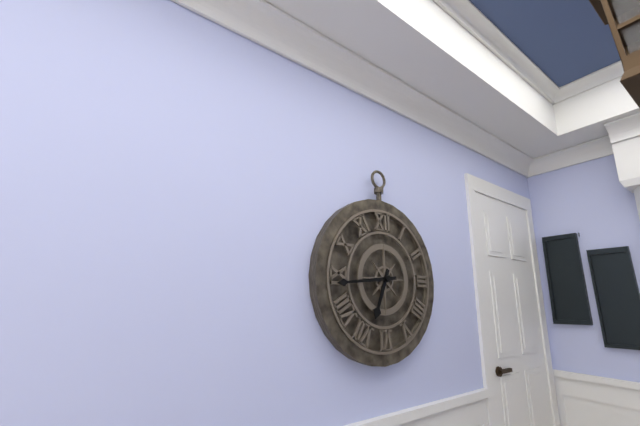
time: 6:44
